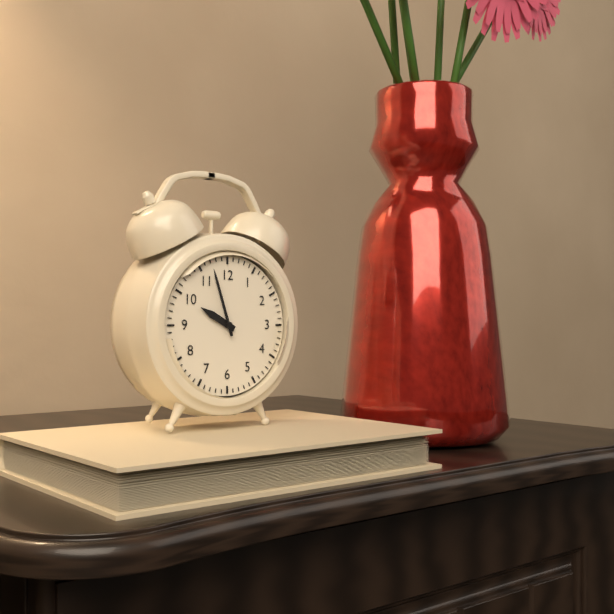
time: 9:57
